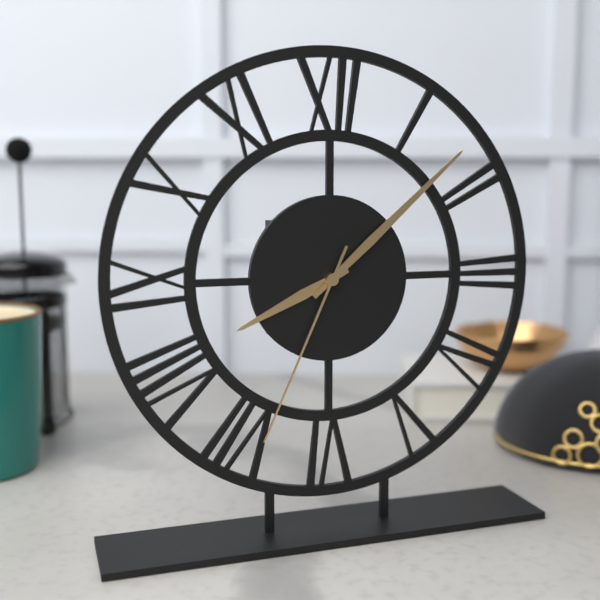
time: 8:08:34
